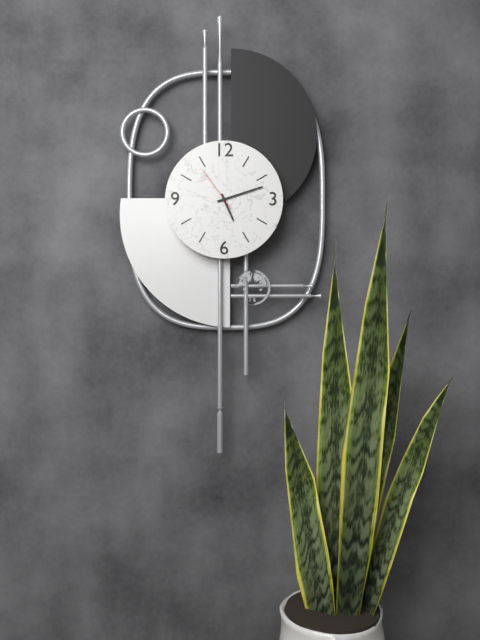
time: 5:12
